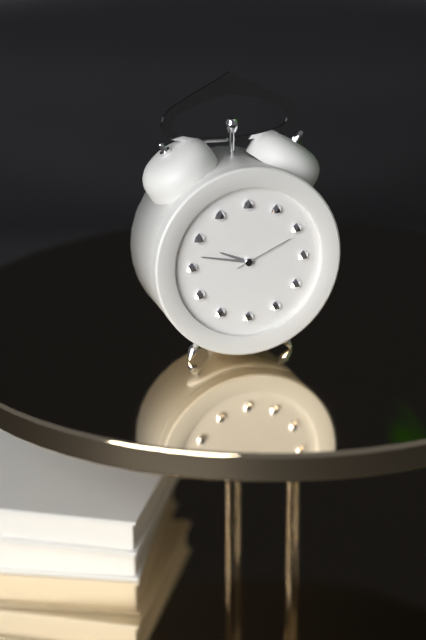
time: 9:47:11
